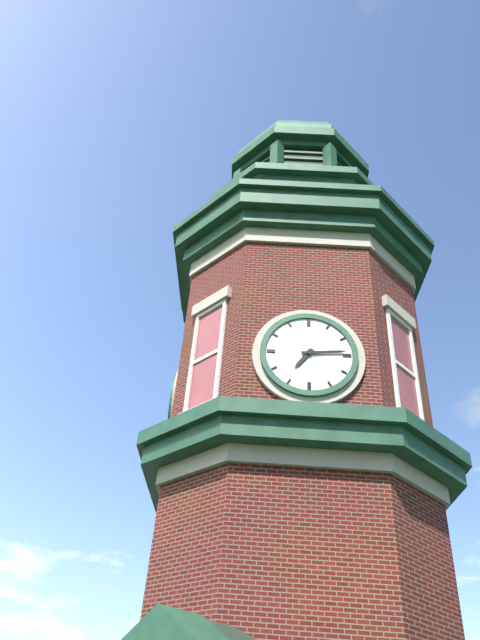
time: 7:14
